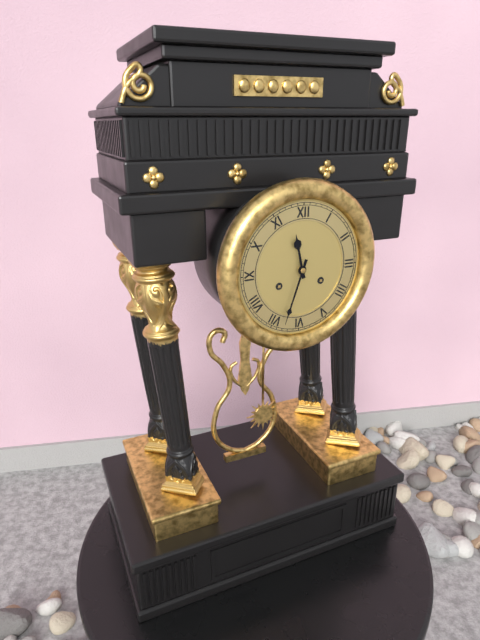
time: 11:33
